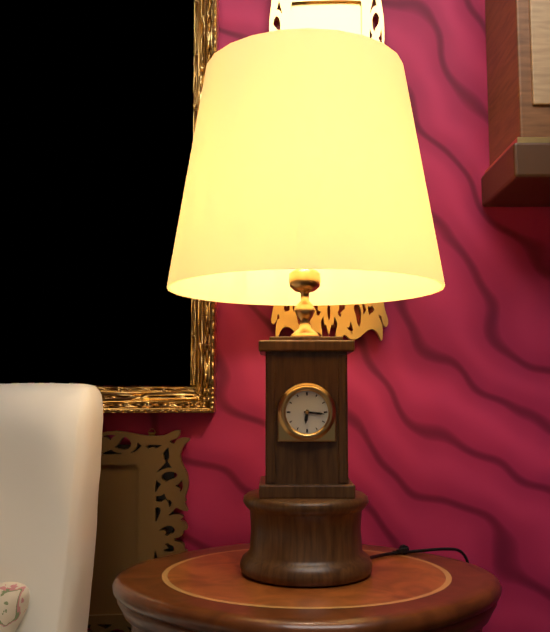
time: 6:16
